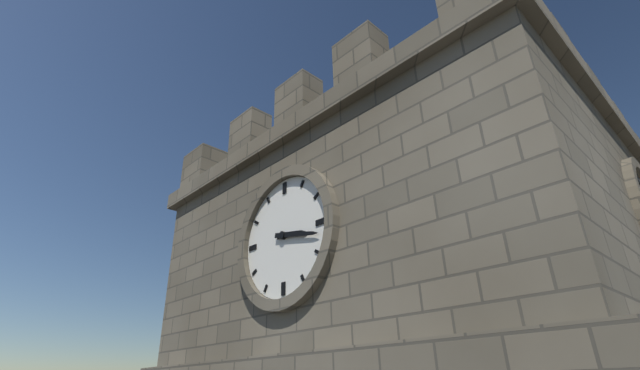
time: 3:17
